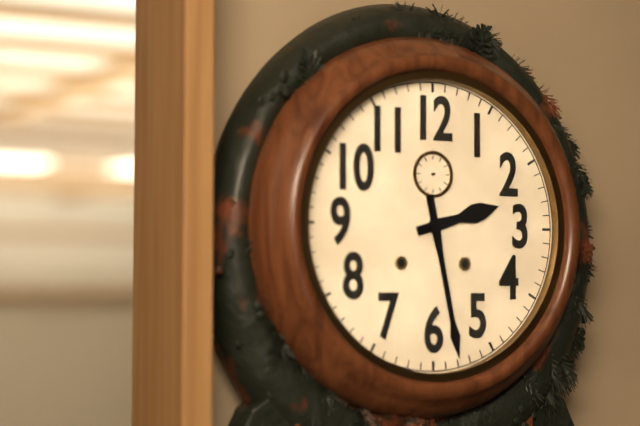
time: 2:28
